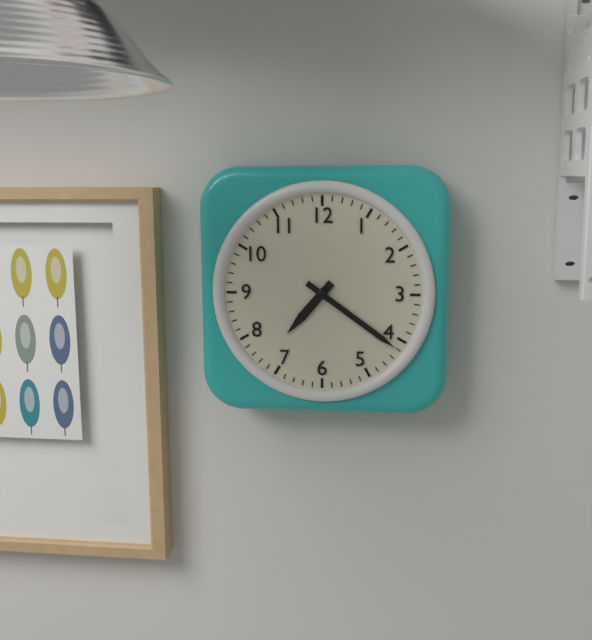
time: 7:21
